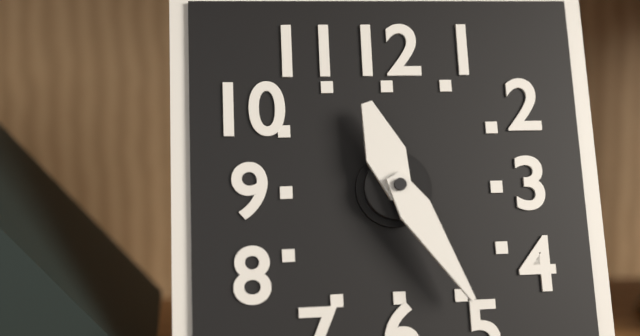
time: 11:25
